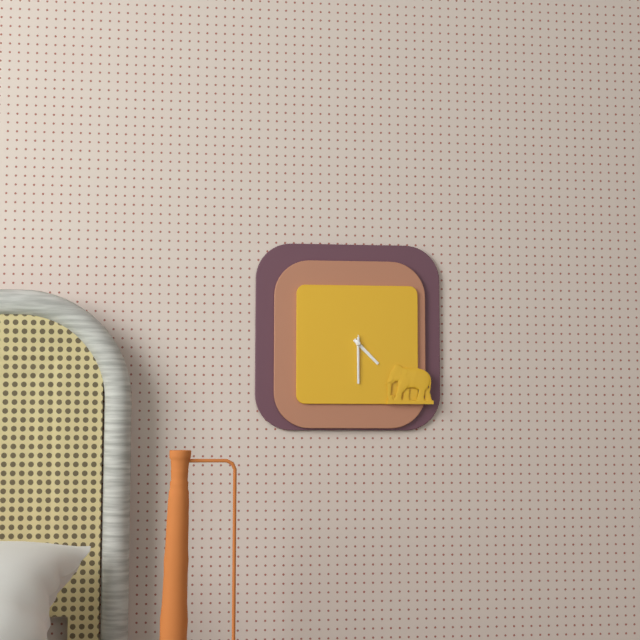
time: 4:30
